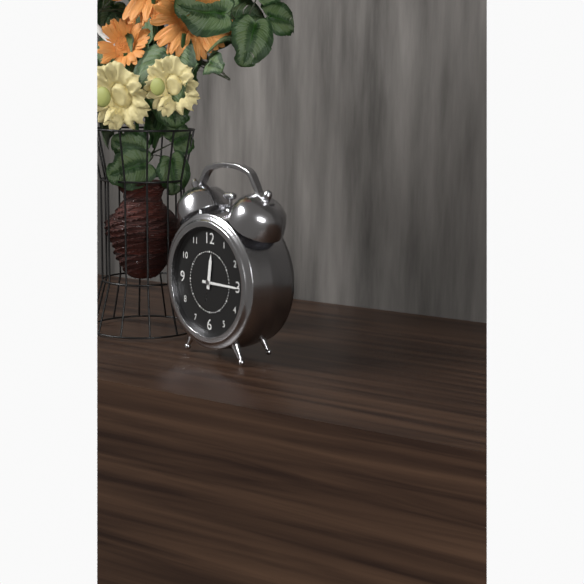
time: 12:15
